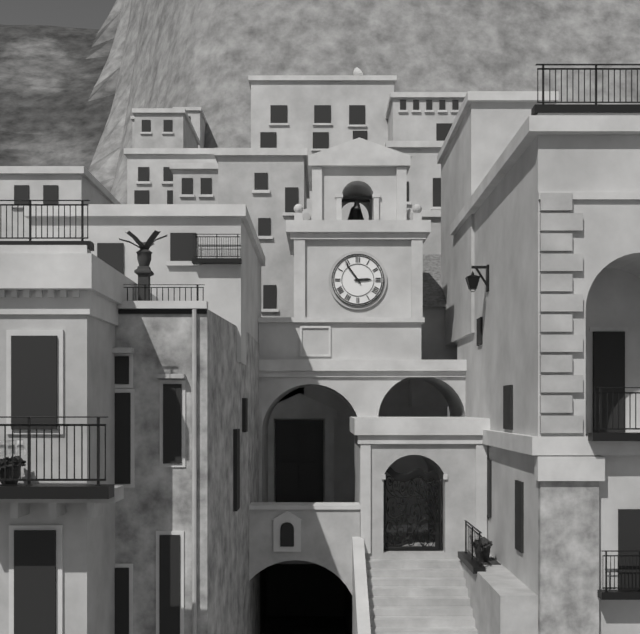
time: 2:54
